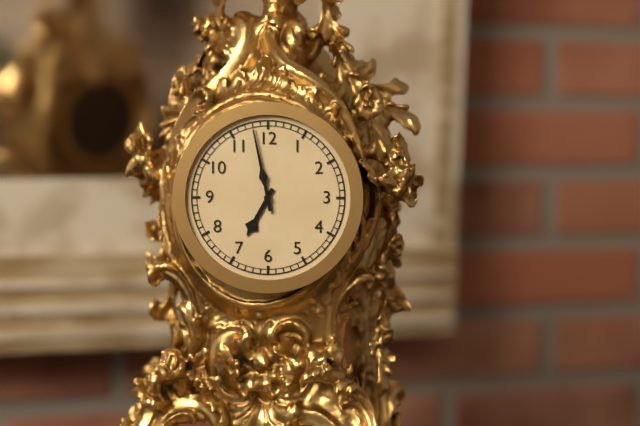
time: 6:58
